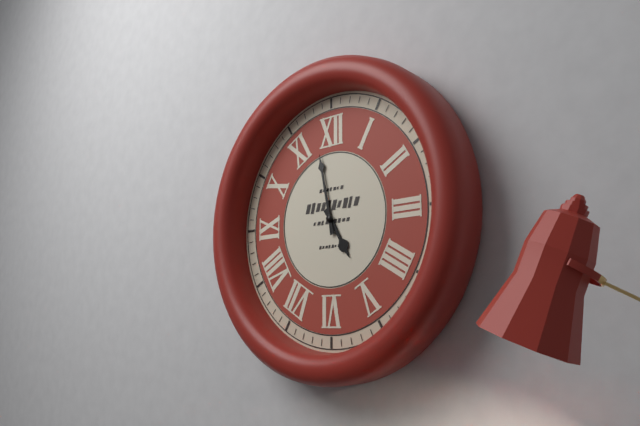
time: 4:58
